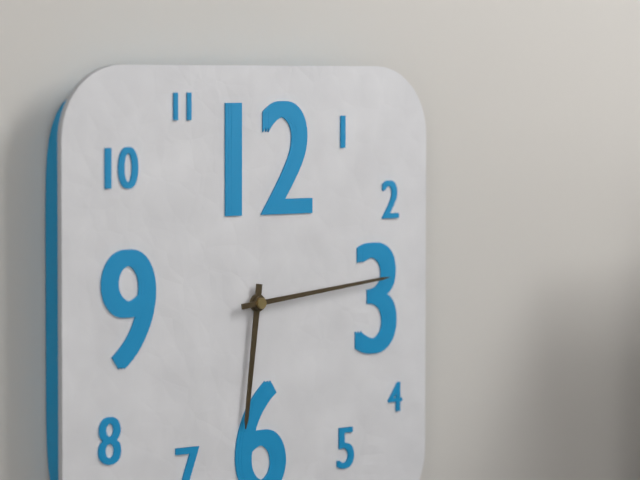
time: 6:14
